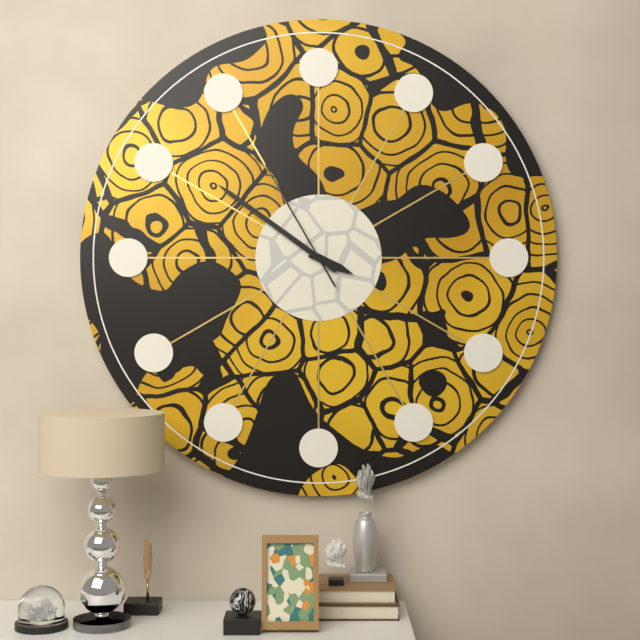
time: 3:51:55
